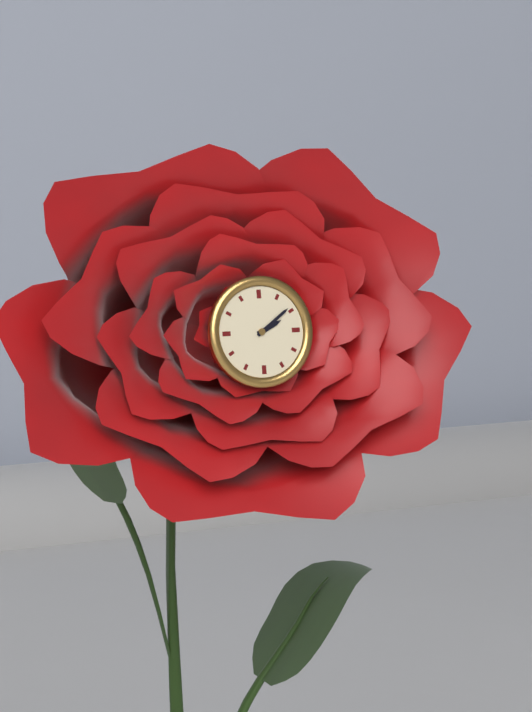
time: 2:09
